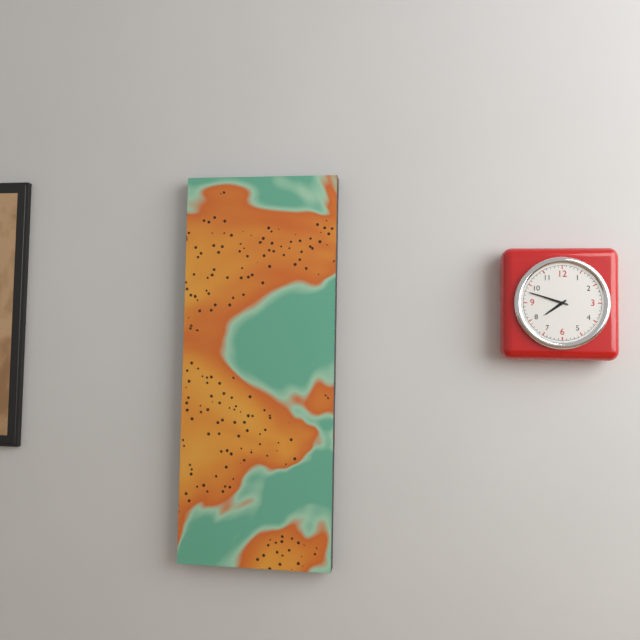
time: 7:48
